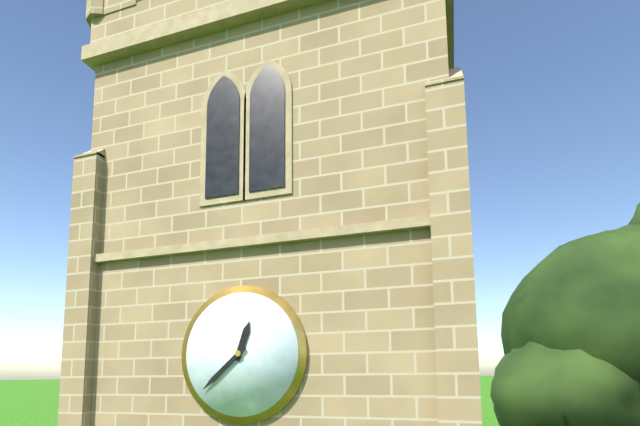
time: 12:38
